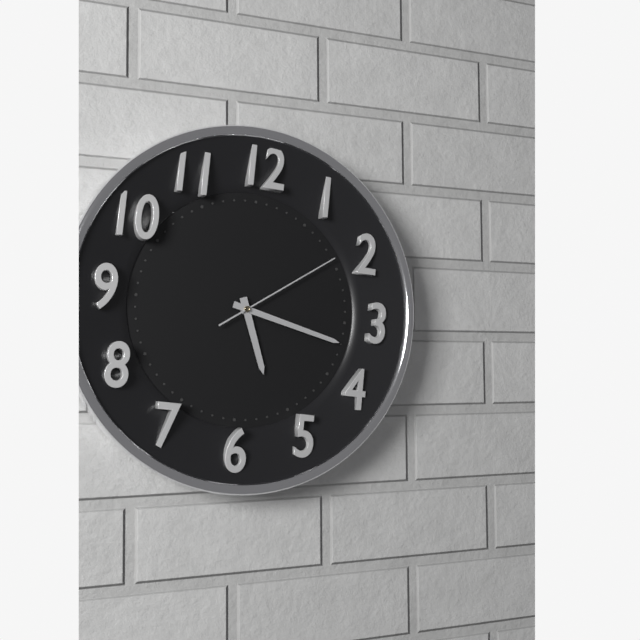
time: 5:17:09
